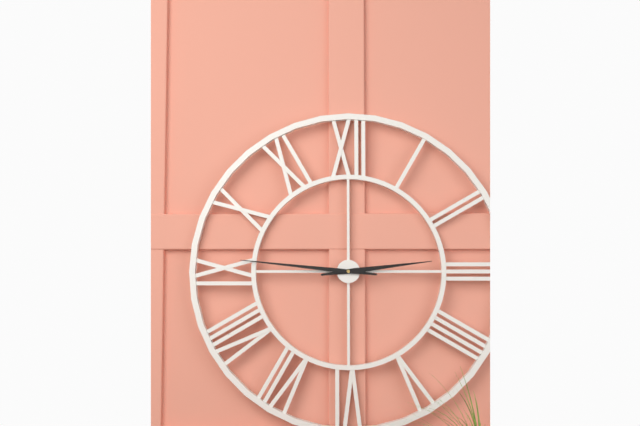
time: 2:46
